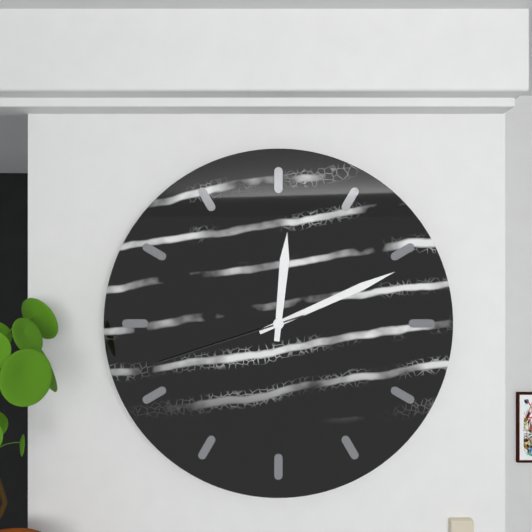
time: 12:11:42
